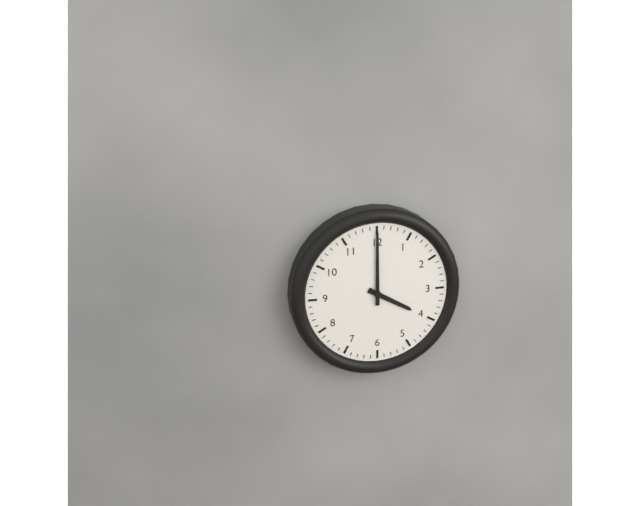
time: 4:00
